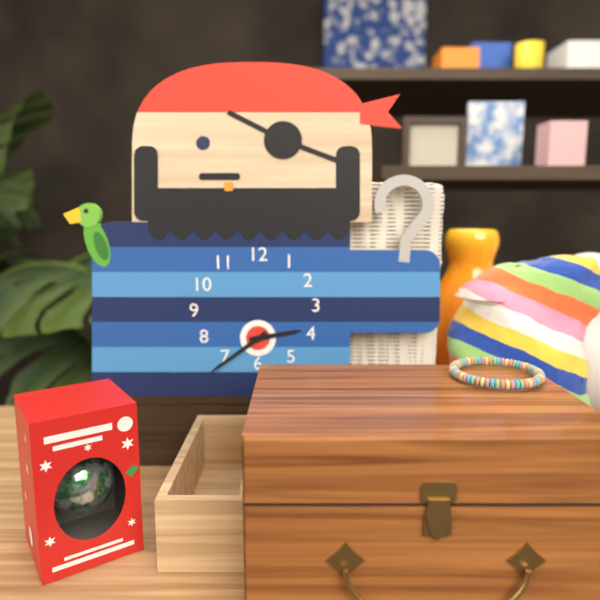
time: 2:39
